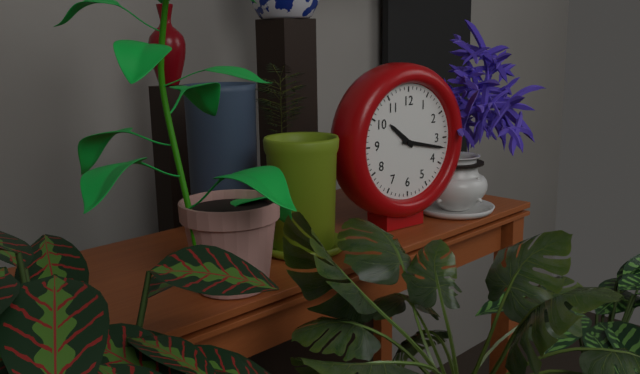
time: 10:17
